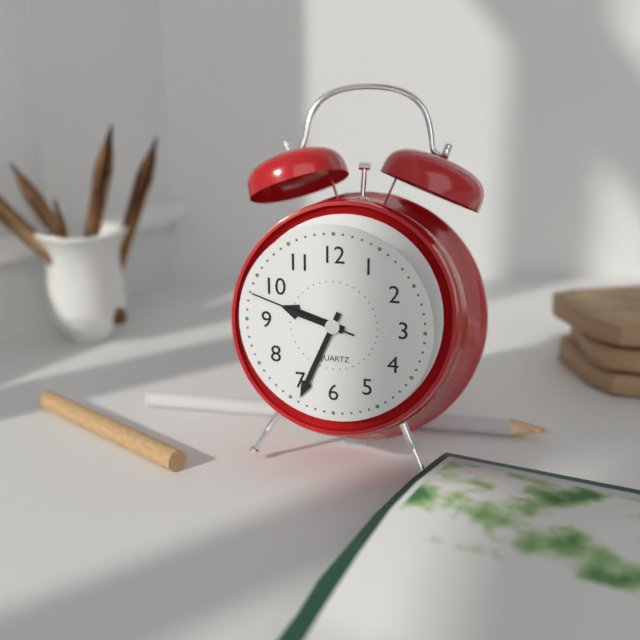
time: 9:34:48
